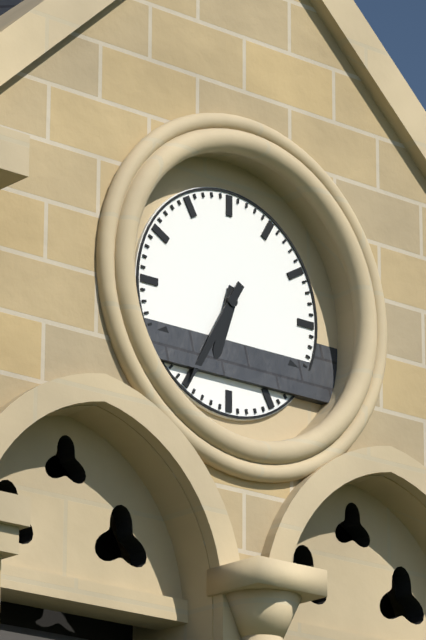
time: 6:35
